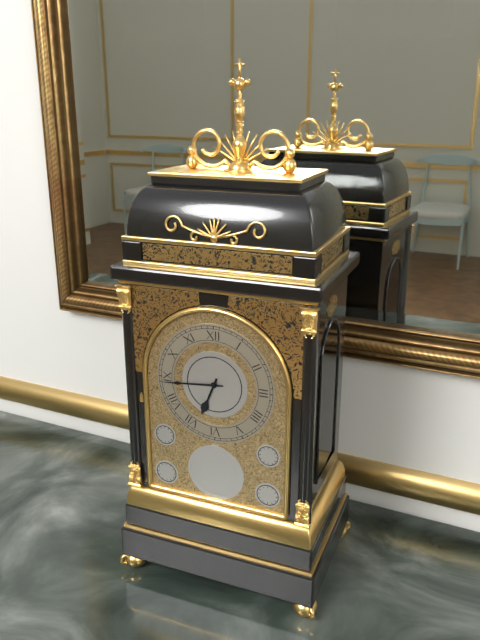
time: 6:44
